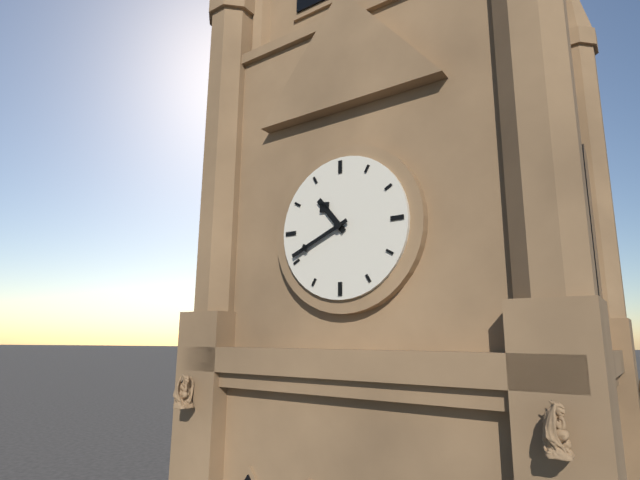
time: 10:41
